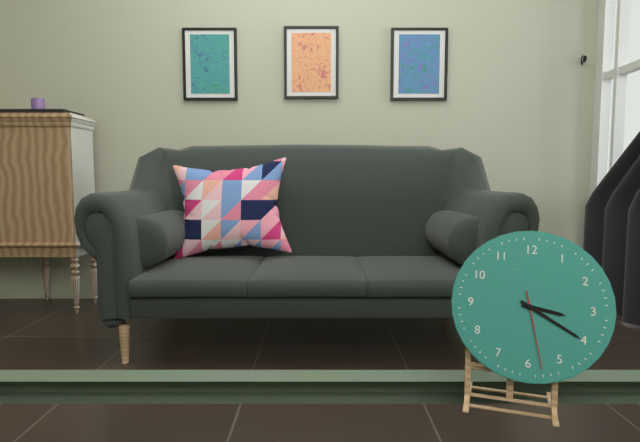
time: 3:20:28
